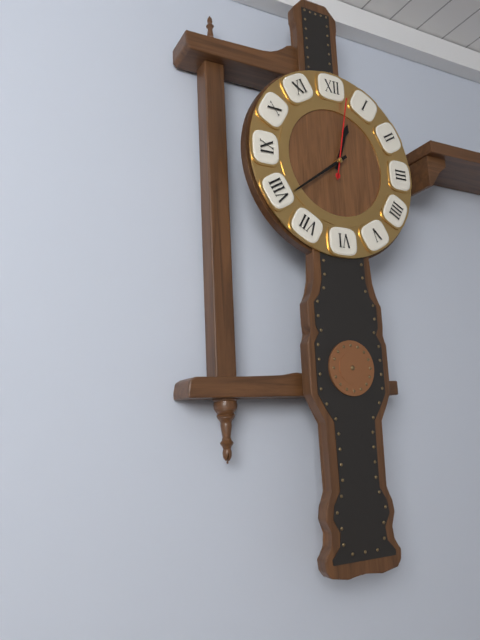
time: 12:39:02
